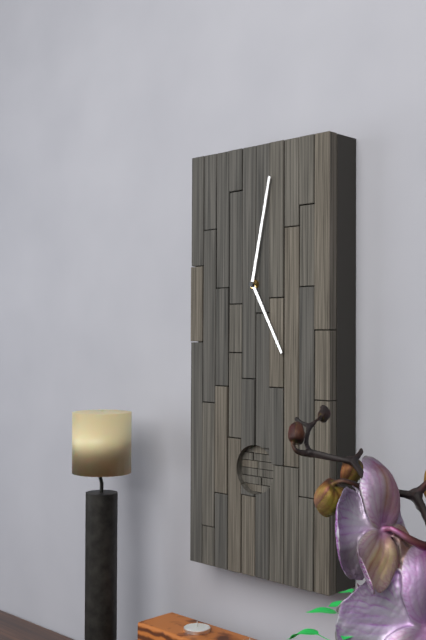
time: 5:02
